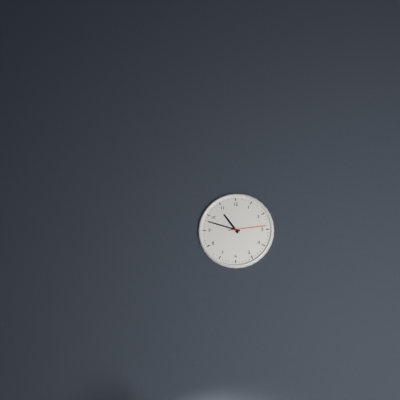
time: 10:48
